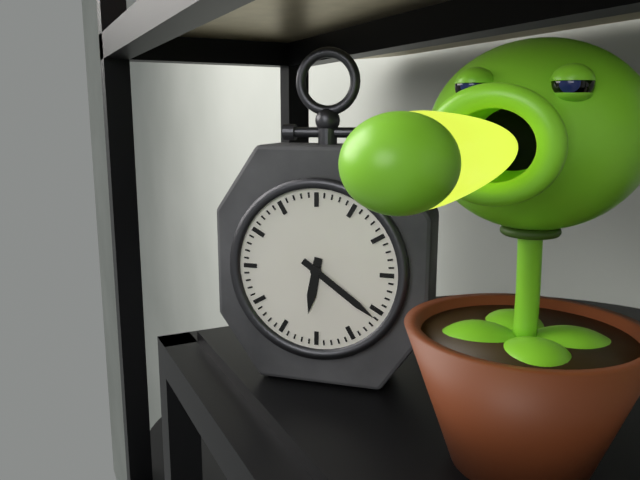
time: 6:21
